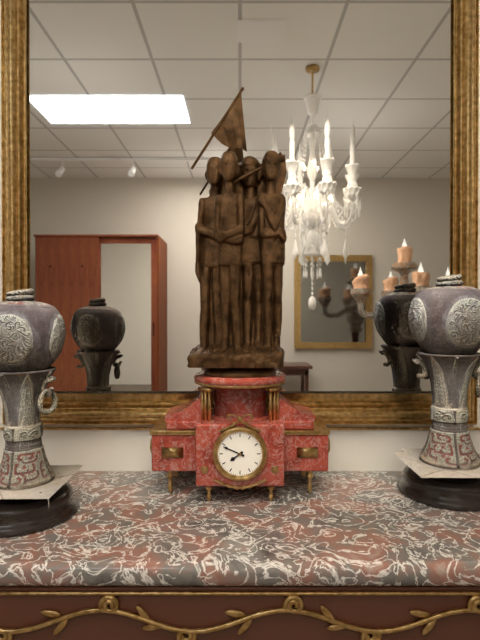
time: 7:49
